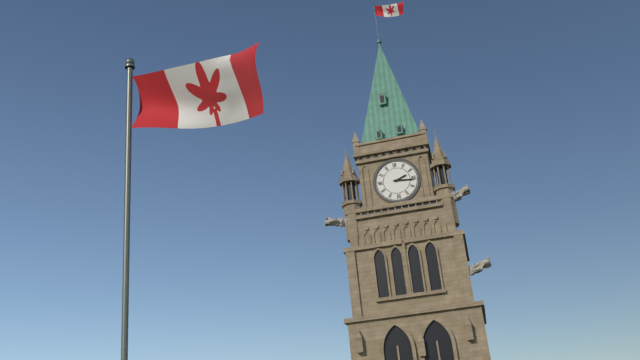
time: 2:16
